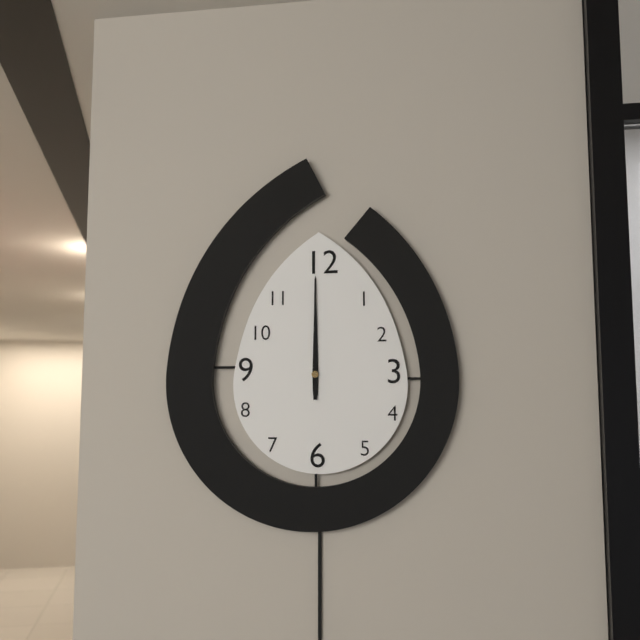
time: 12:00
